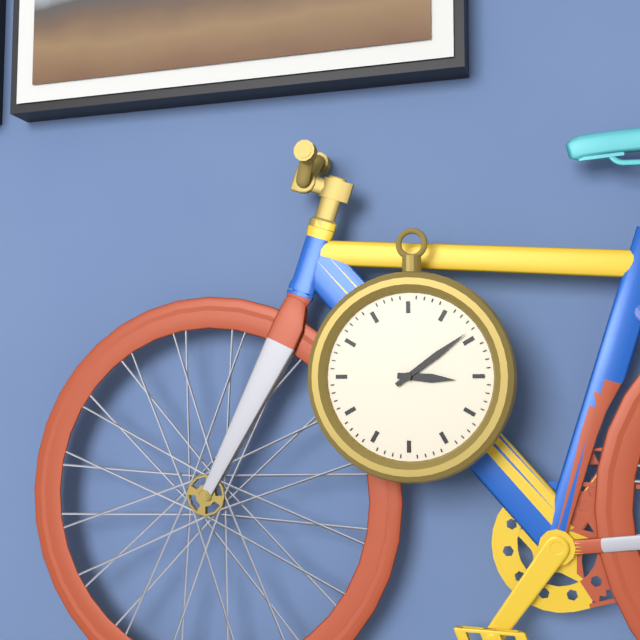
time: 3:09
